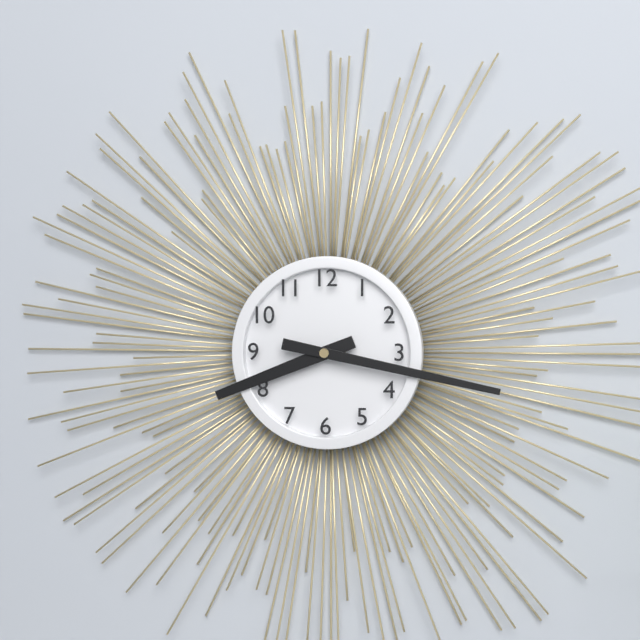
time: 8:17
